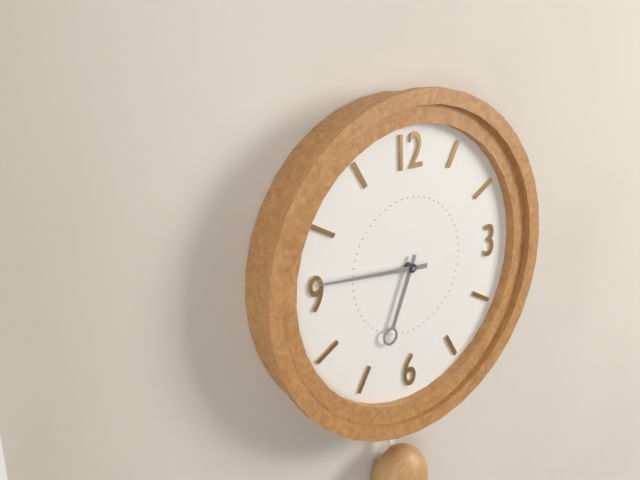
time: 6:46
